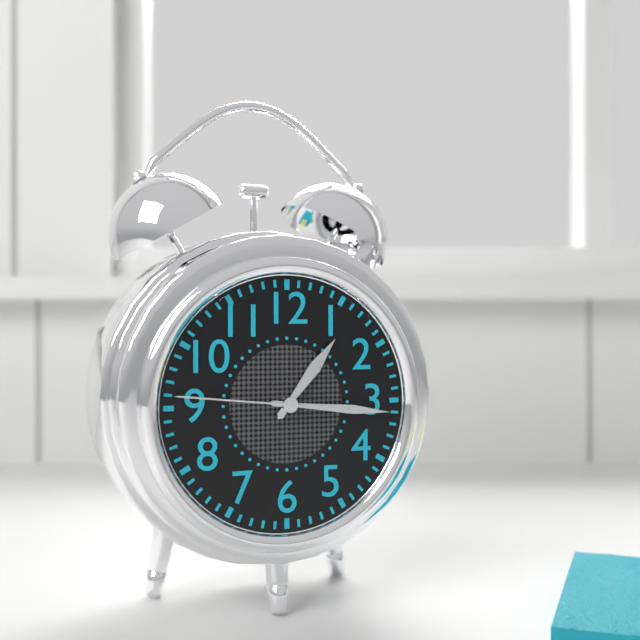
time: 1:16:46
